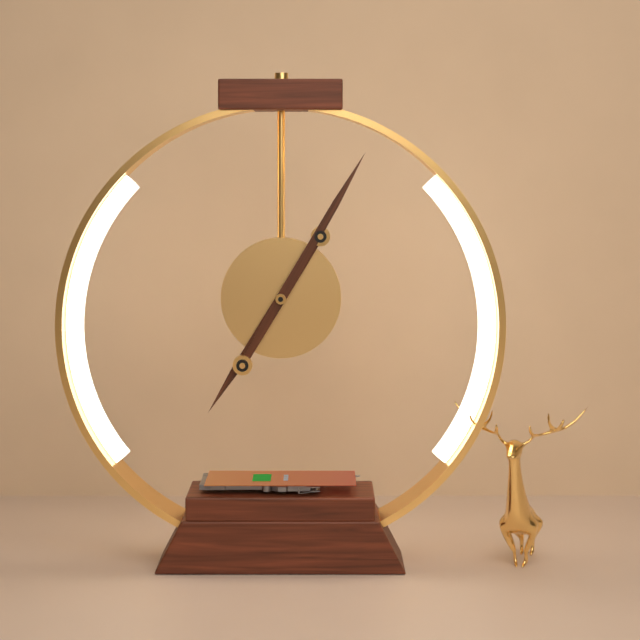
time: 7:05
